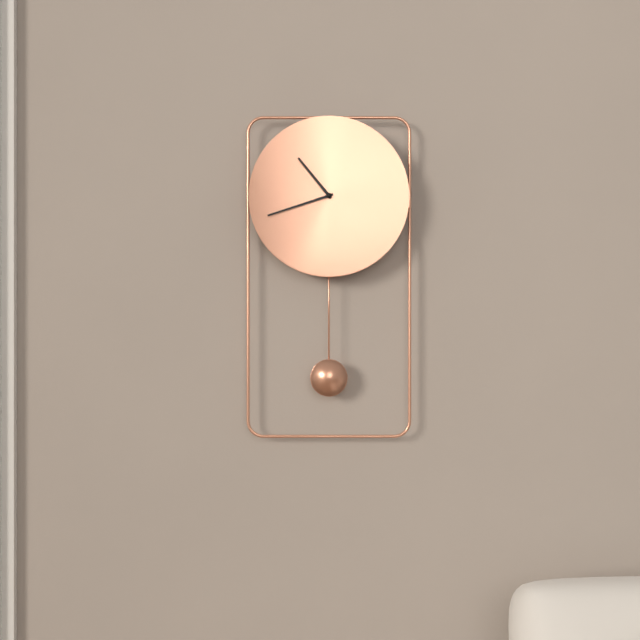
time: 10:42
